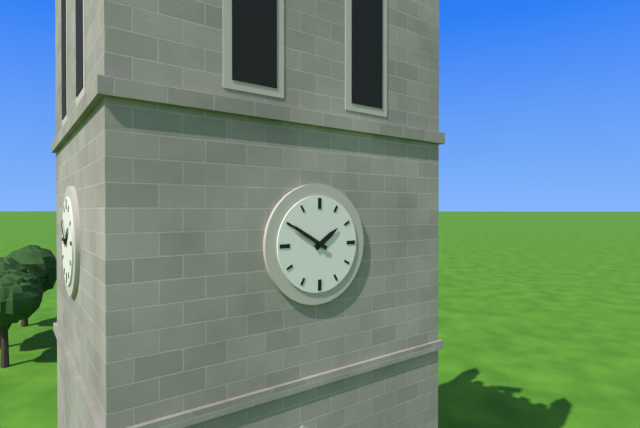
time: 1:50
